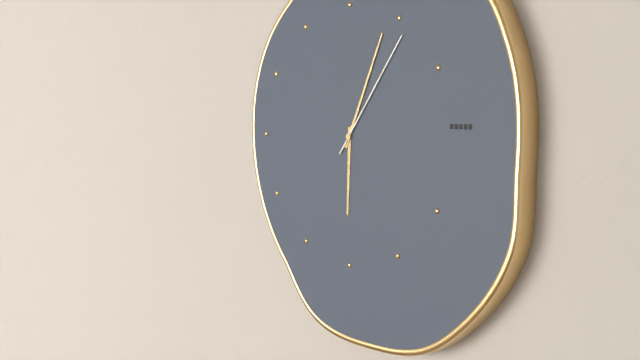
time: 6:04:06
